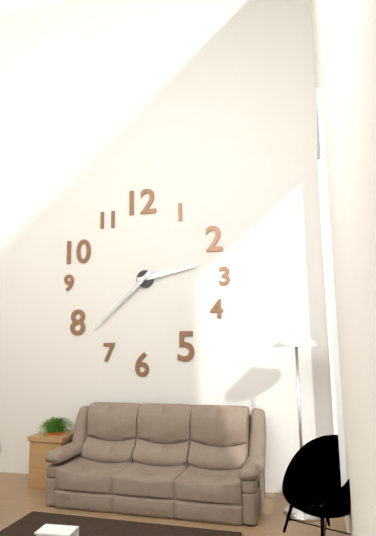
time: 2:38
